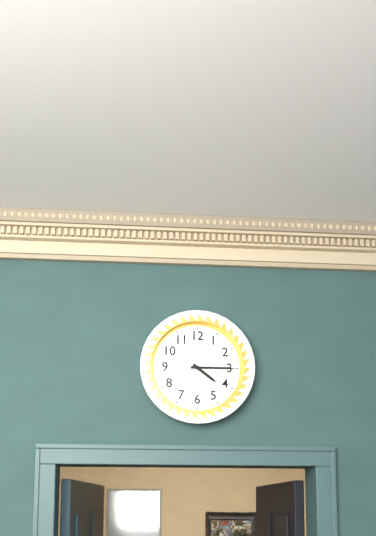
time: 4:15
